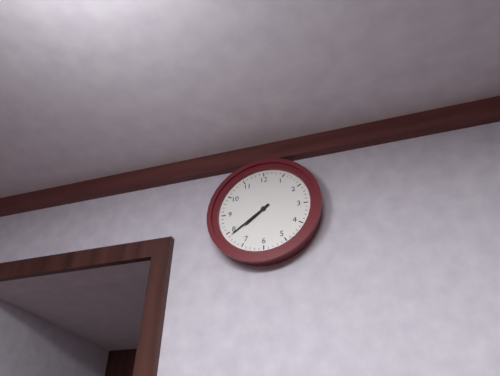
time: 7:39
